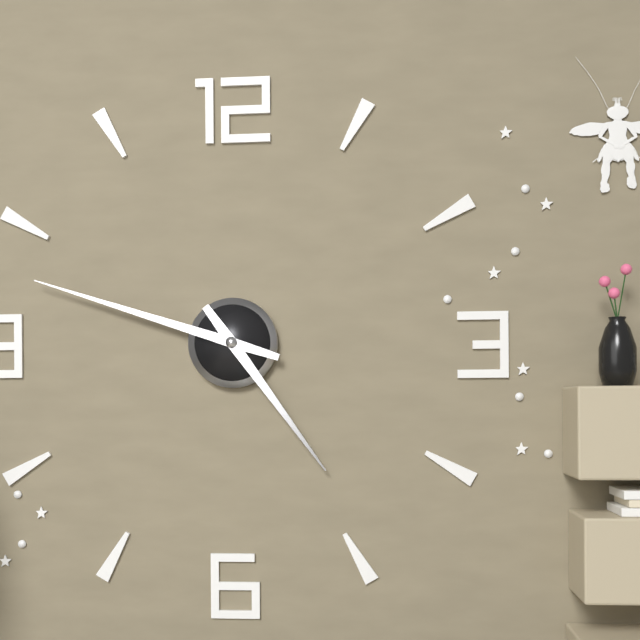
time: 4:48
